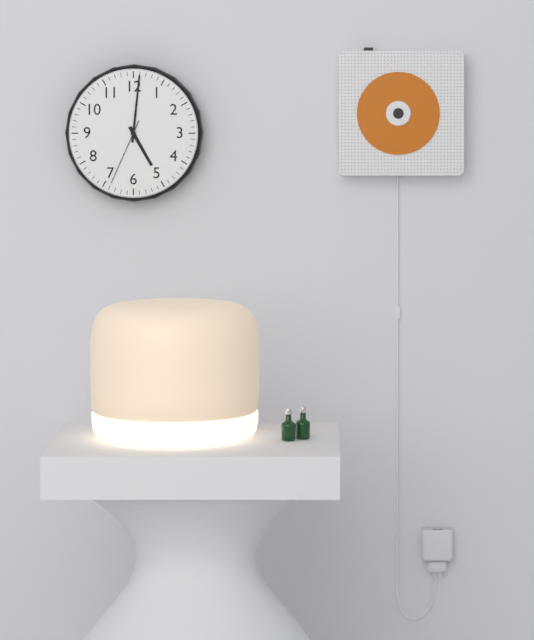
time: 5:01:34
